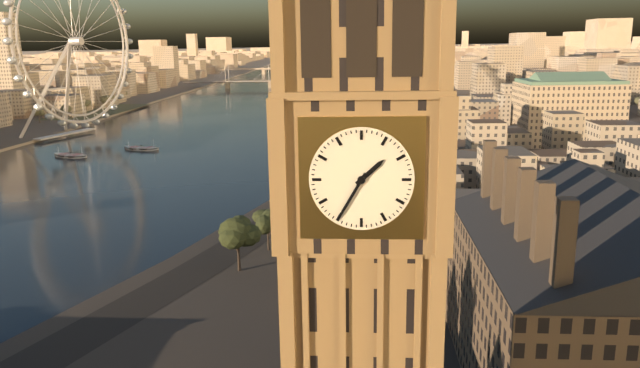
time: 1:35
